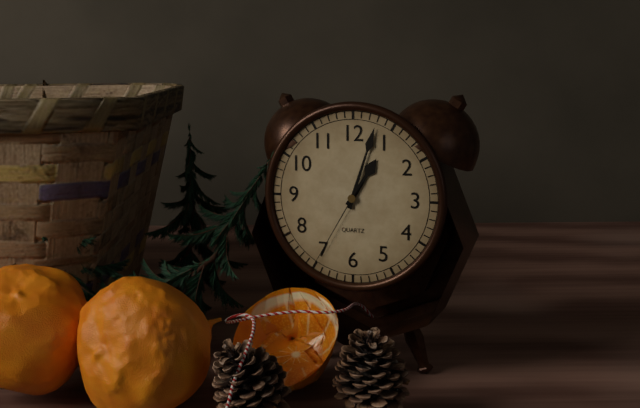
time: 1:03:35
